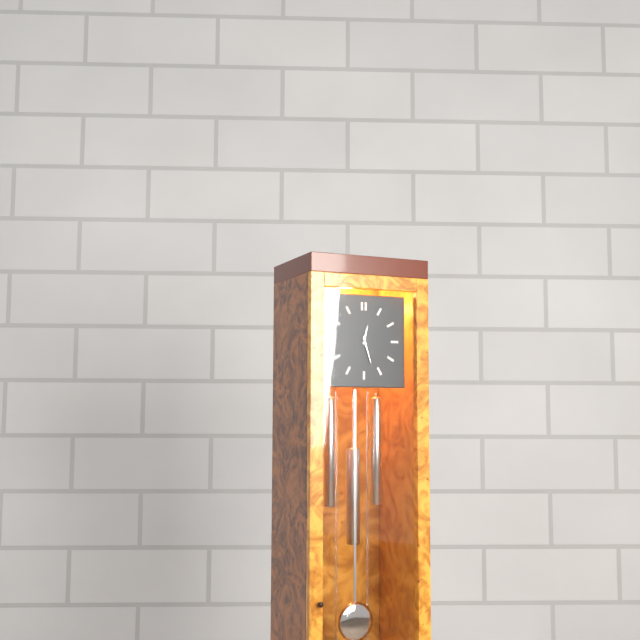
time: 12:27
